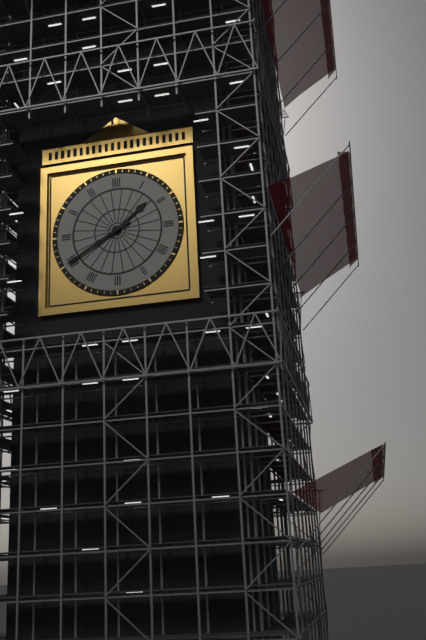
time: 1:40
